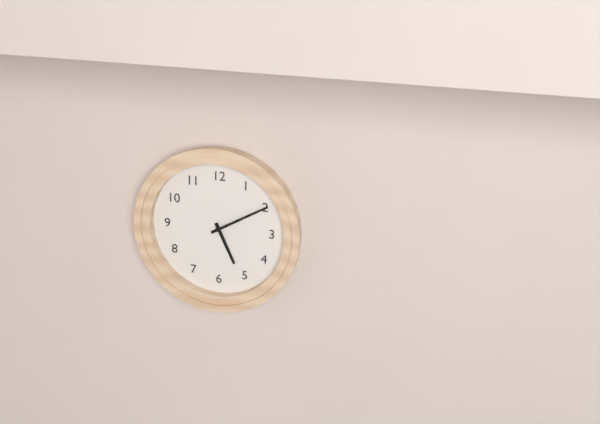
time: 5:10
